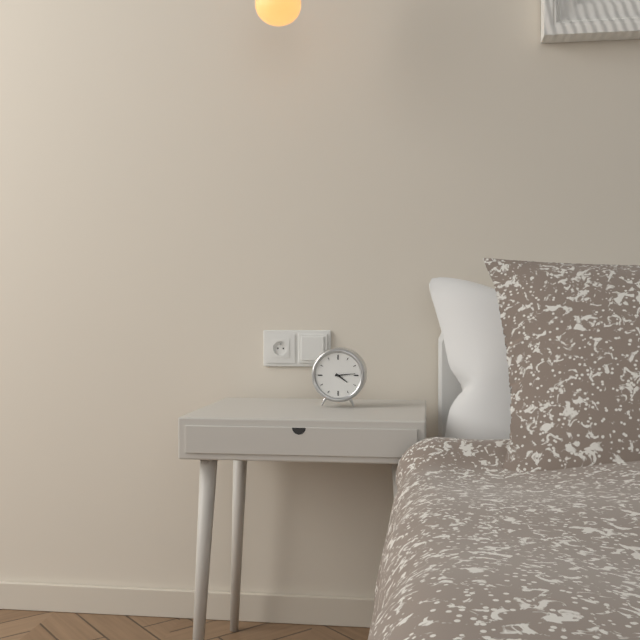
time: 4:14
